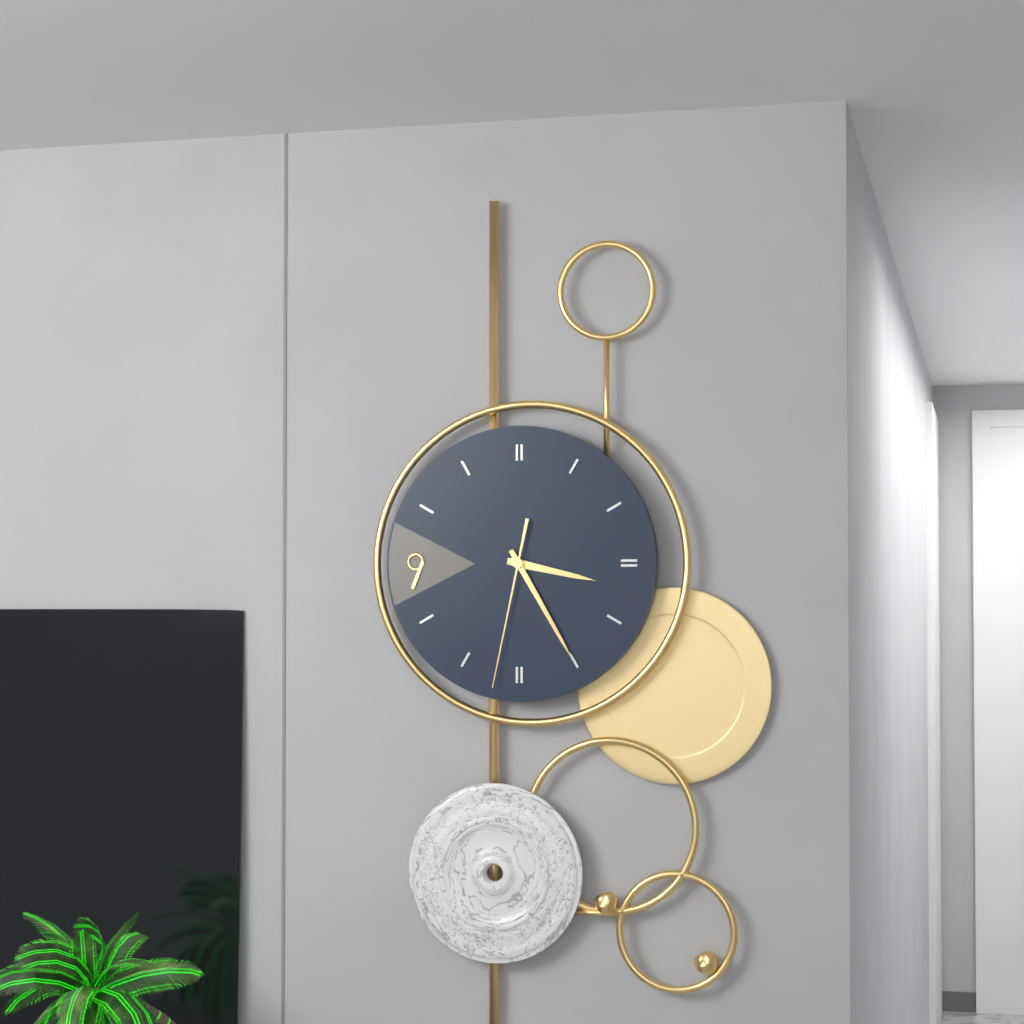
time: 3:25:32
